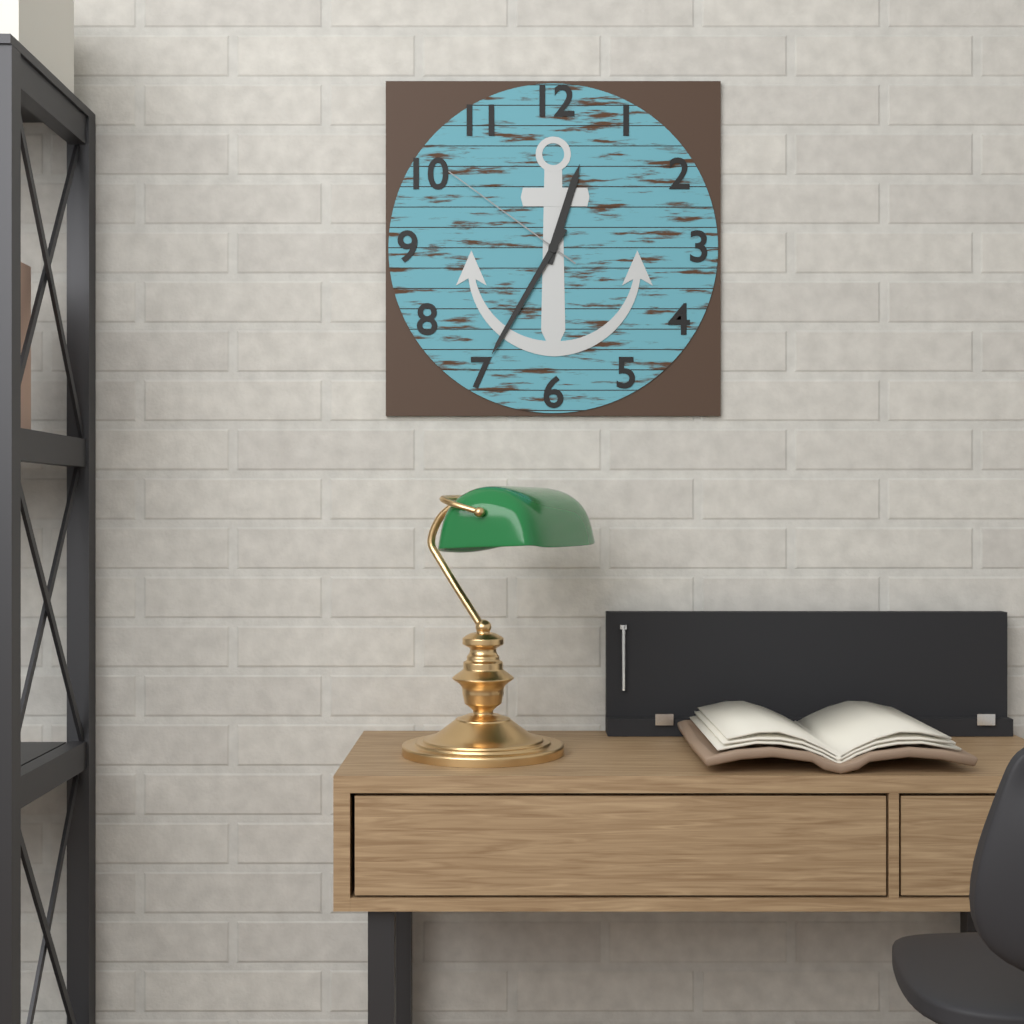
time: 12:35:51
